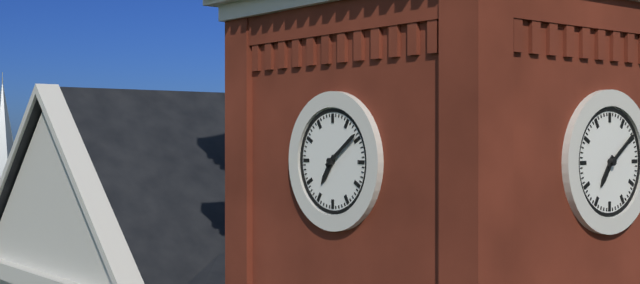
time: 7:09
